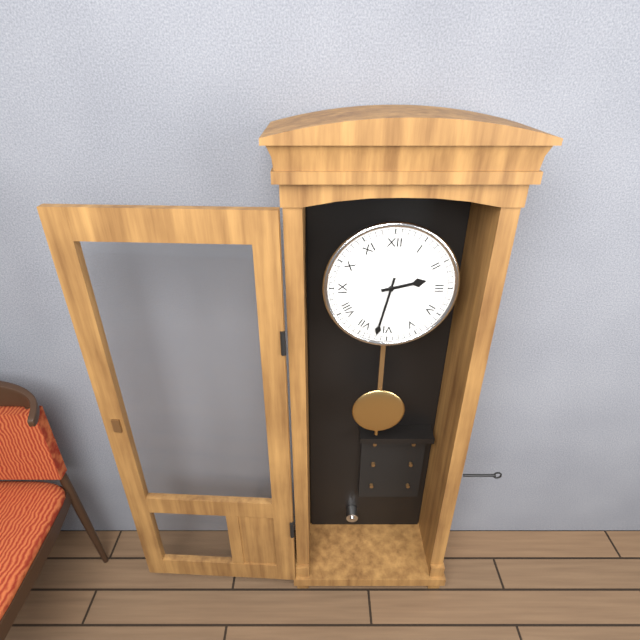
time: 2:32
